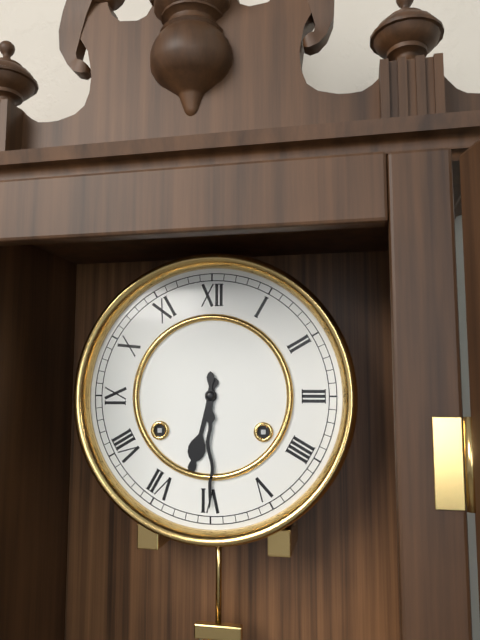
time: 6:30
